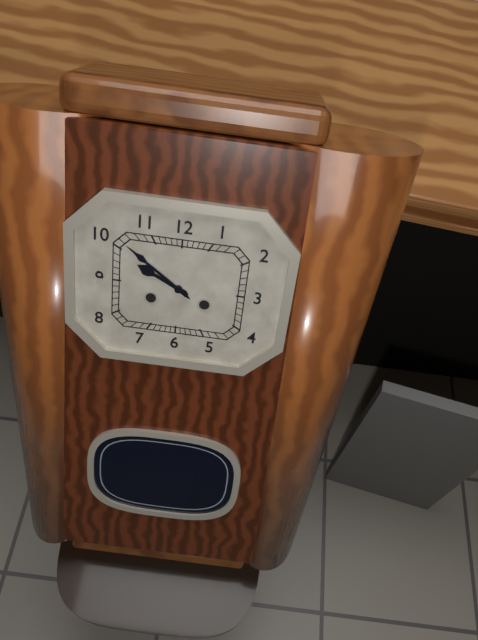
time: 9:51
